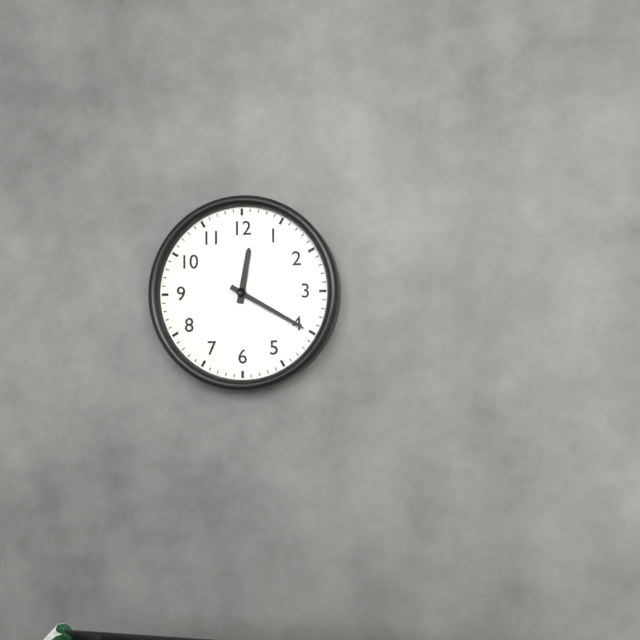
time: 12:20
